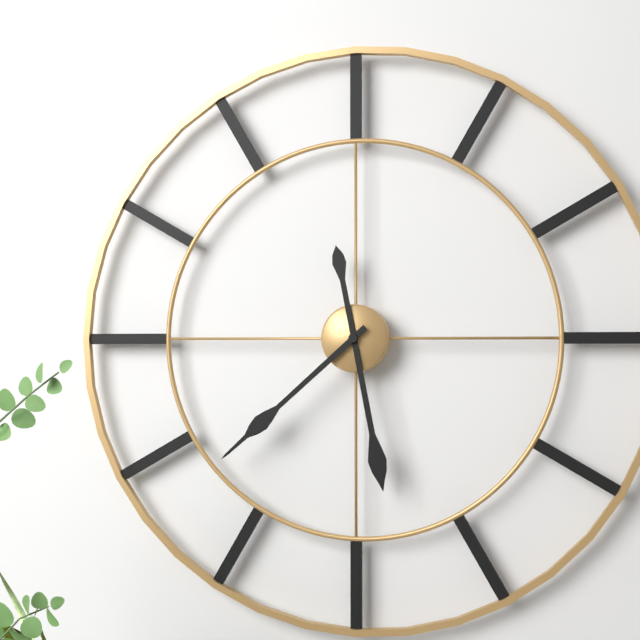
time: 5:38
